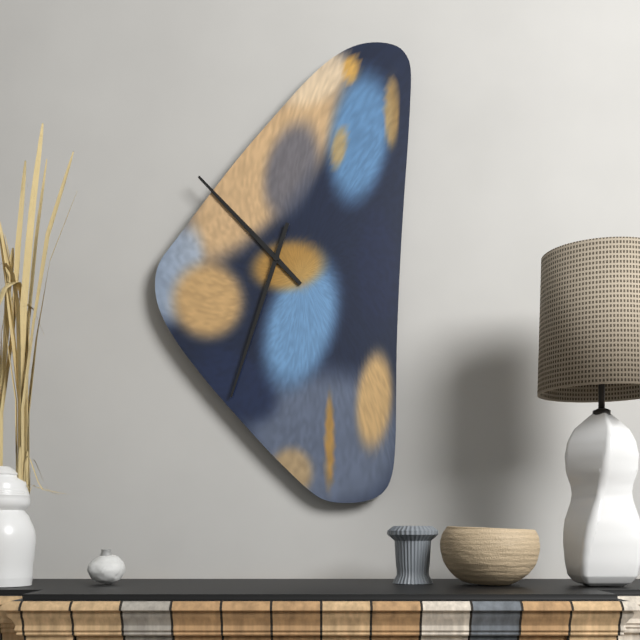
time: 10:33
